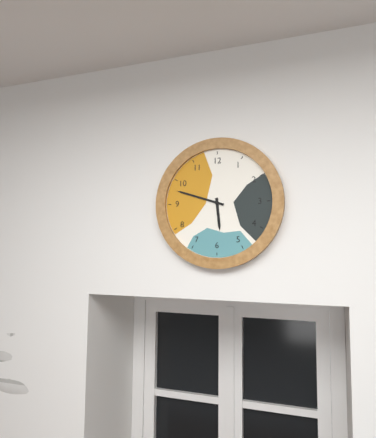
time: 5:48
